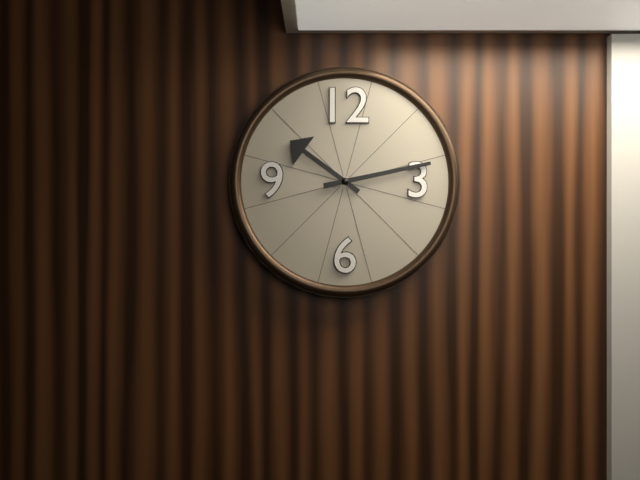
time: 10:13
